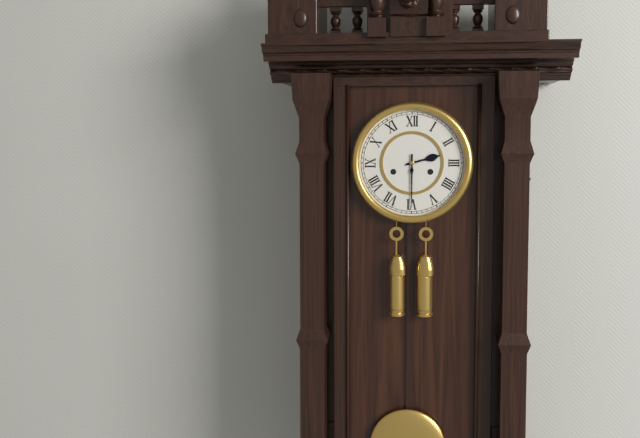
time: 2:30
